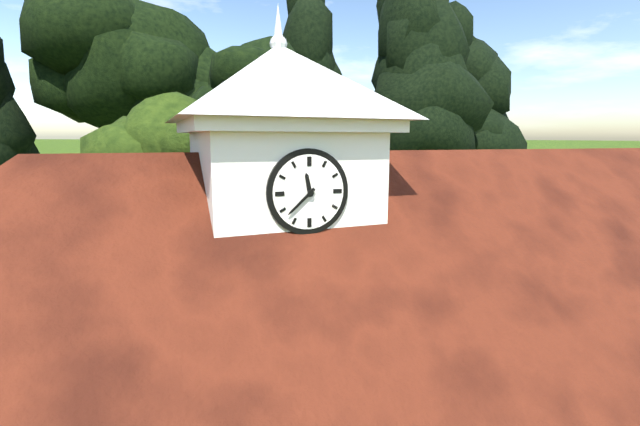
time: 11:38
